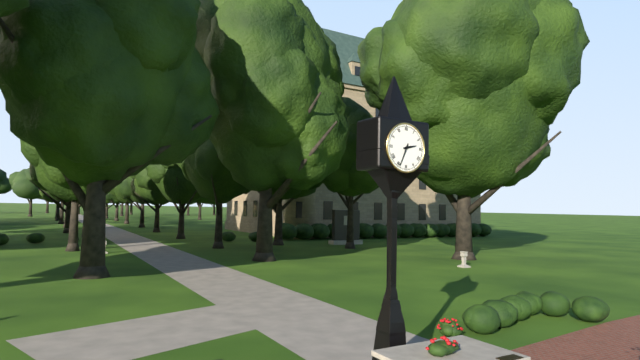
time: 2:34
